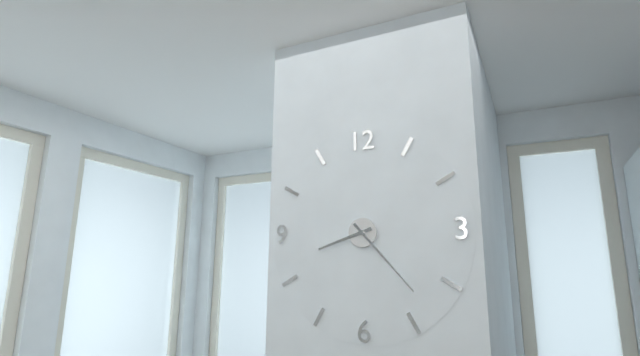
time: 8:23
